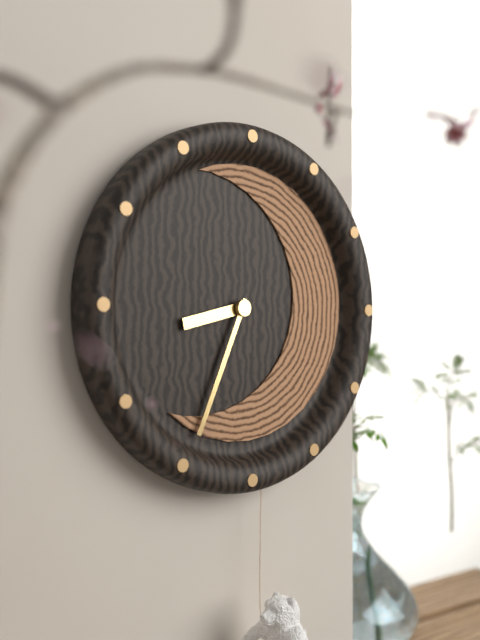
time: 8:34
